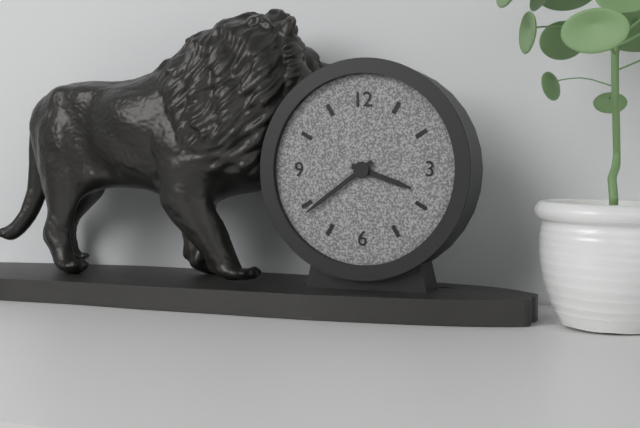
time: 3:39
